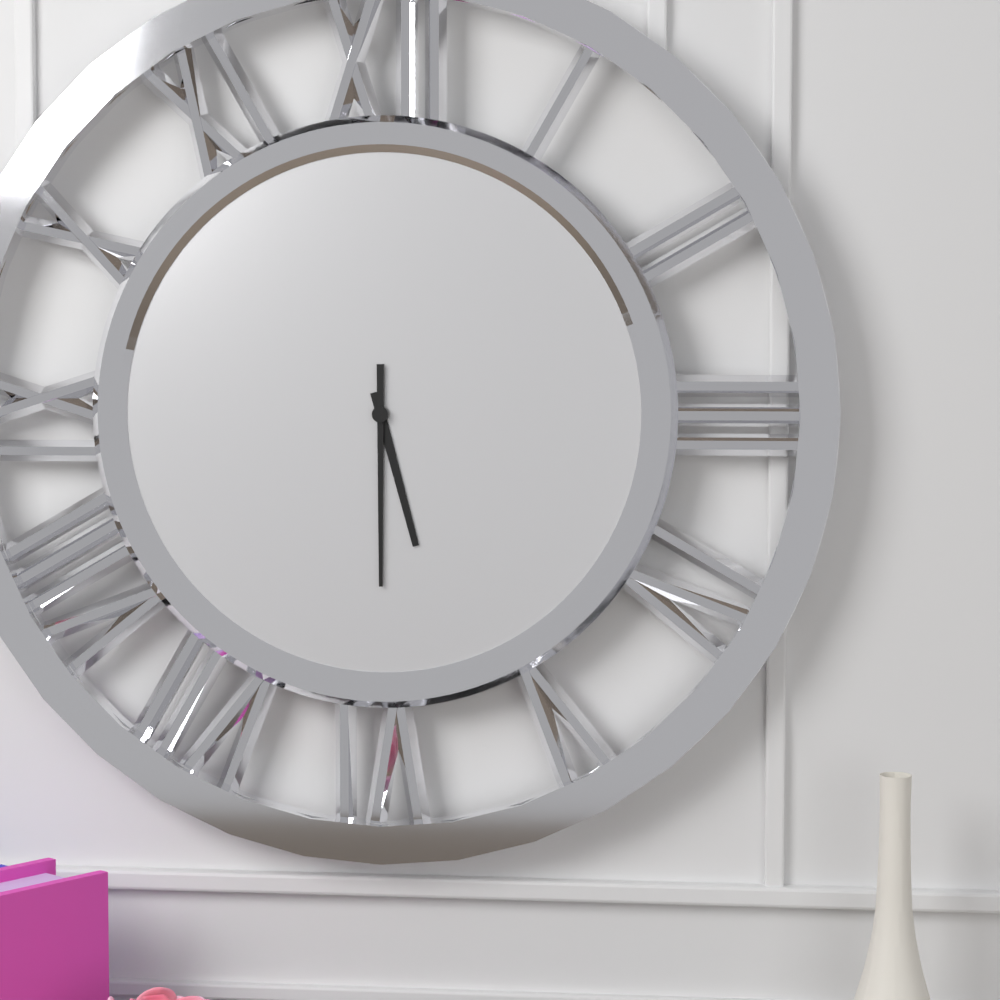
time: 5:30
